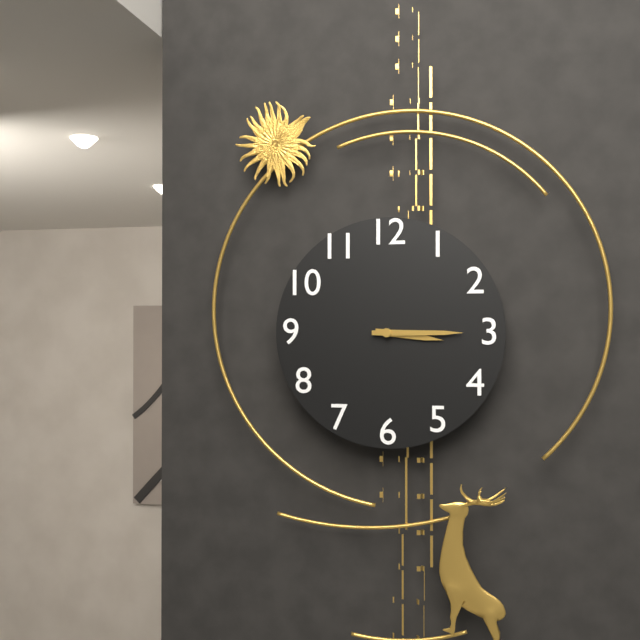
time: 3:15
